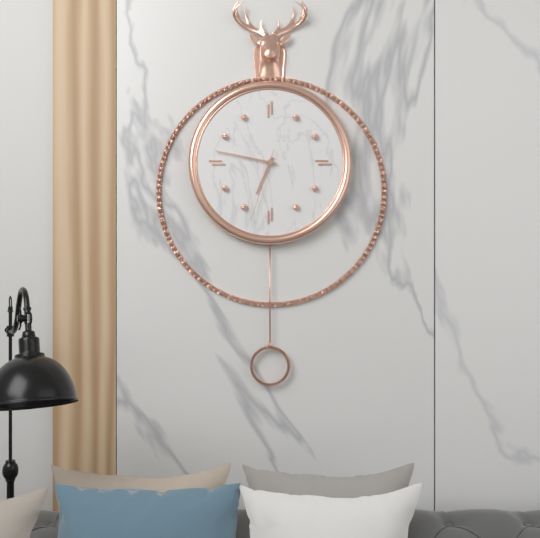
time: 6:47:33
